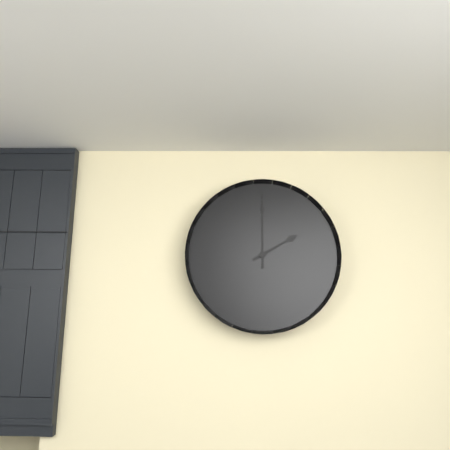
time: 2:00
